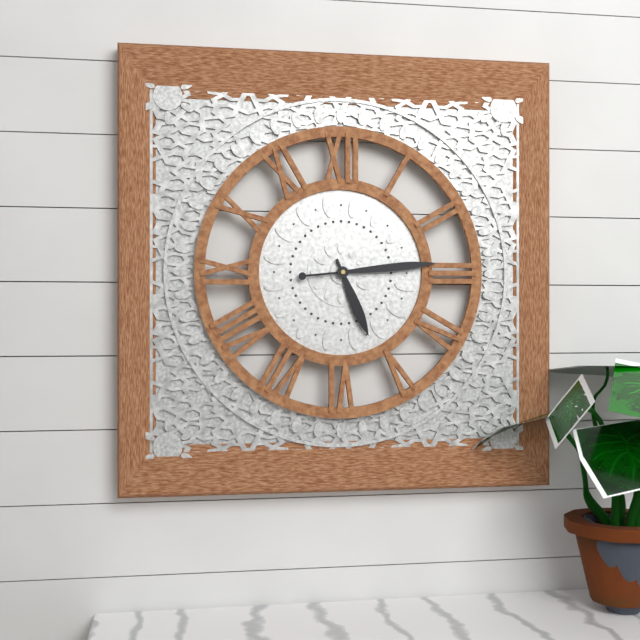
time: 5:14
